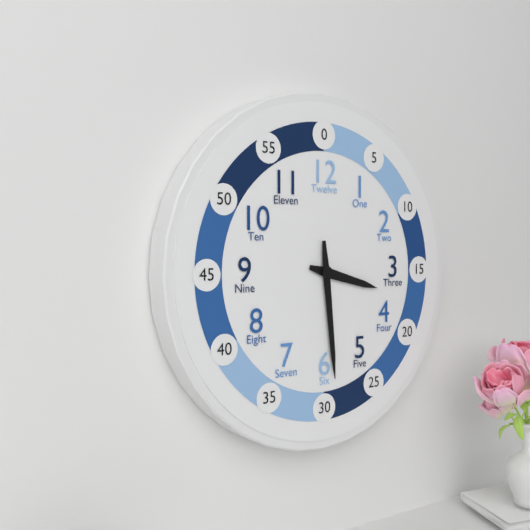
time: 3:29
